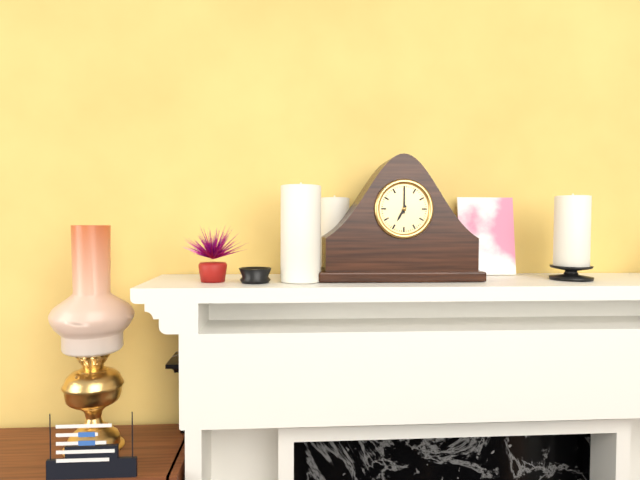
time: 7:00
